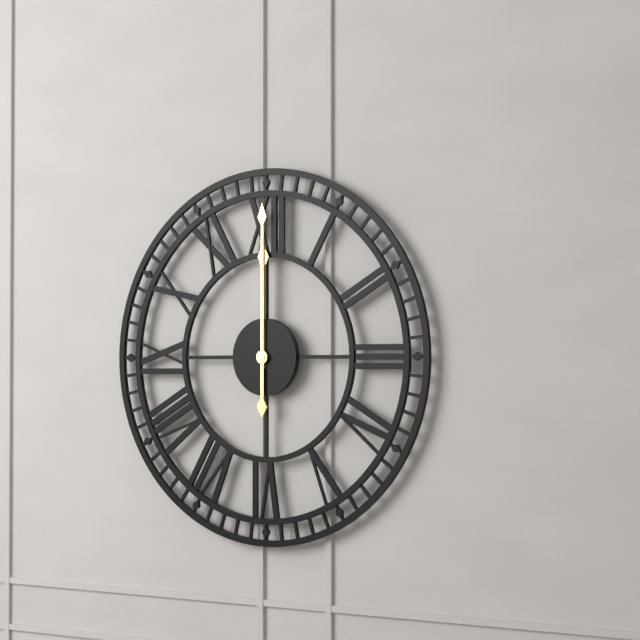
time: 12:00
